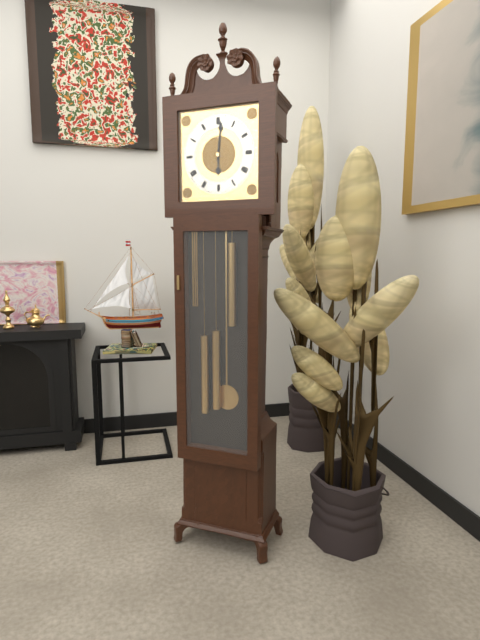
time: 6:01
